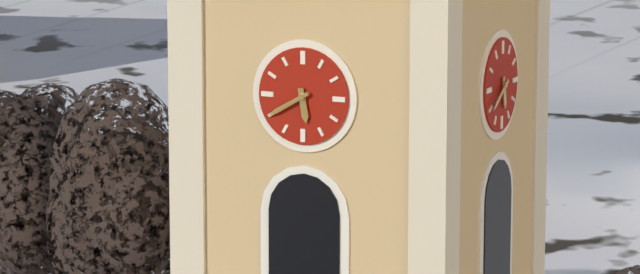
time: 5:40
